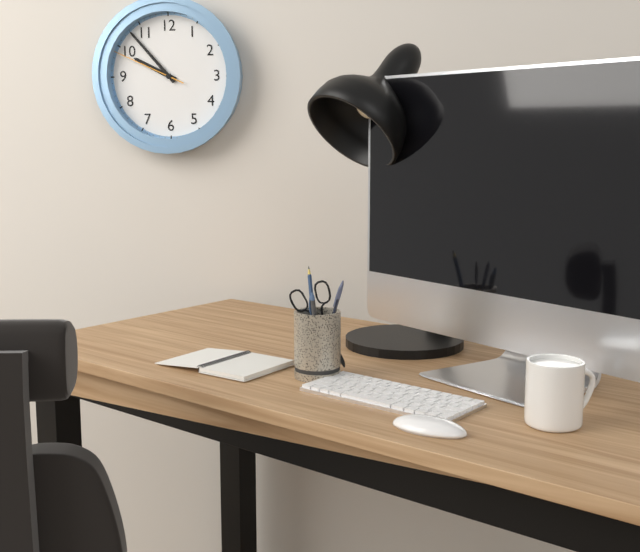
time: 9:53:49
